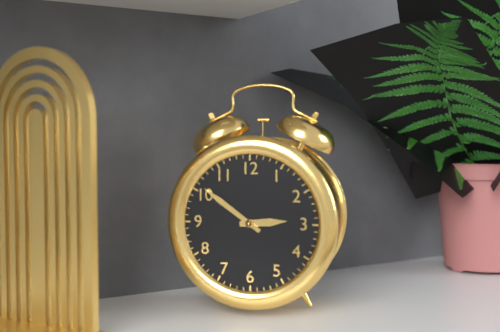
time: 2:51
